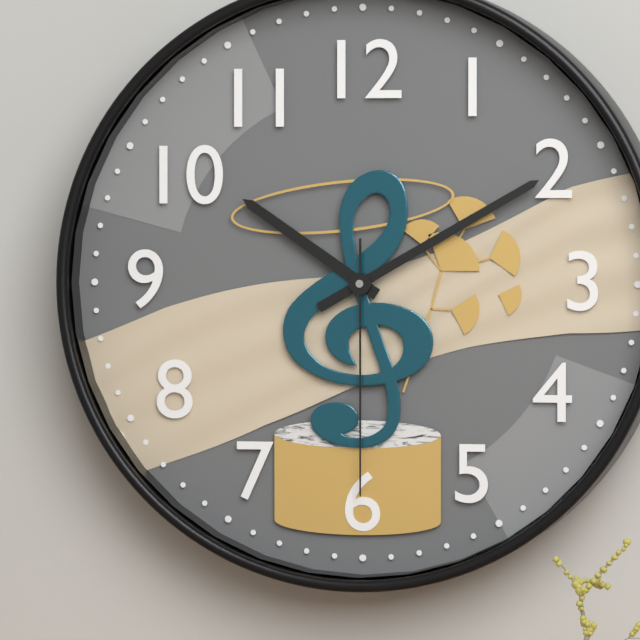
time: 10:10:30
